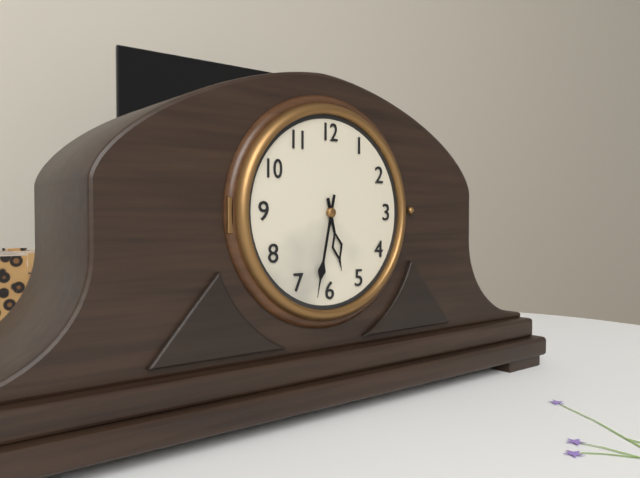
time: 5:32
